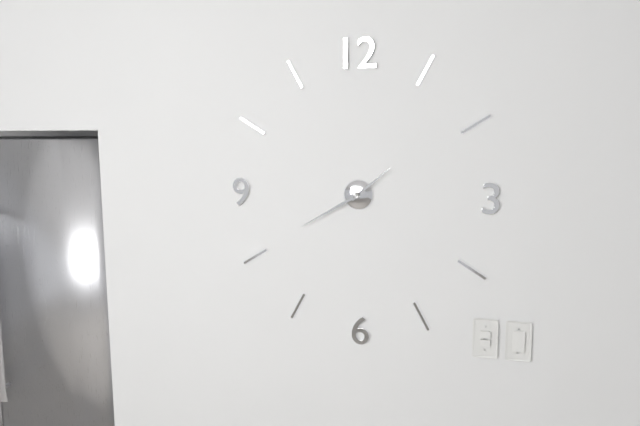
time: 1:40
